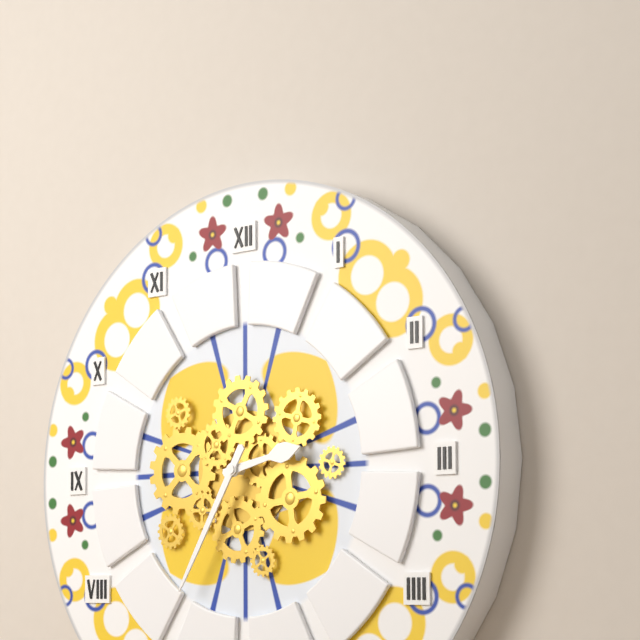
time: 2:35
